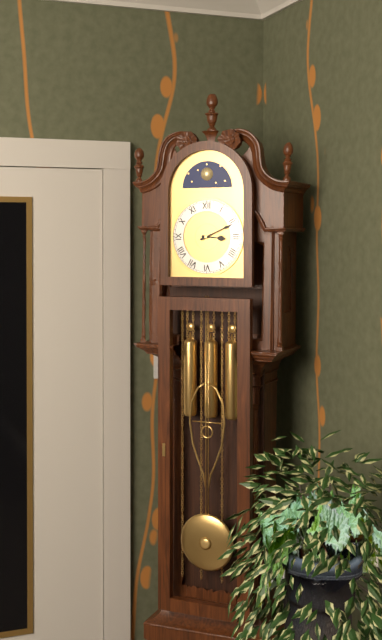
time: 3:11
